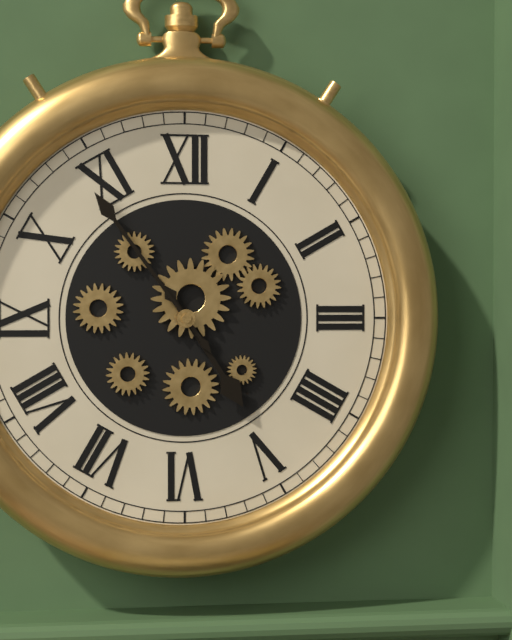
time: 4:54
